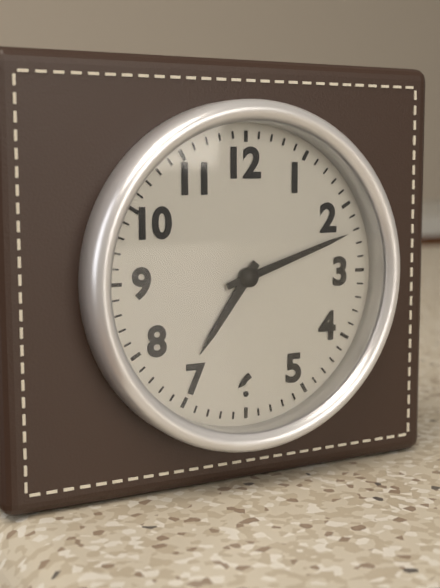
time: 7:12
